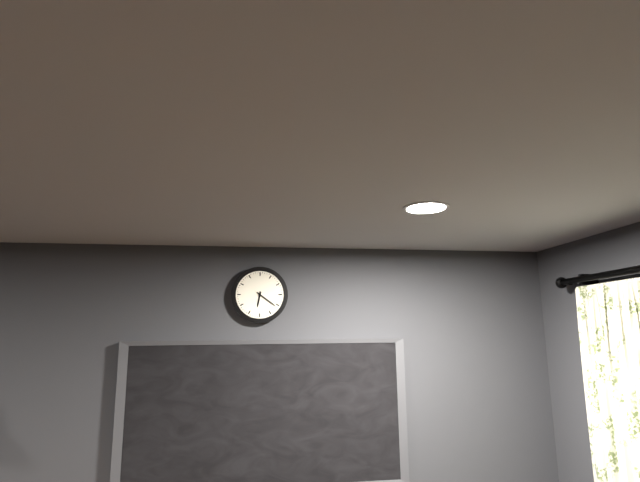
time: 6:21
